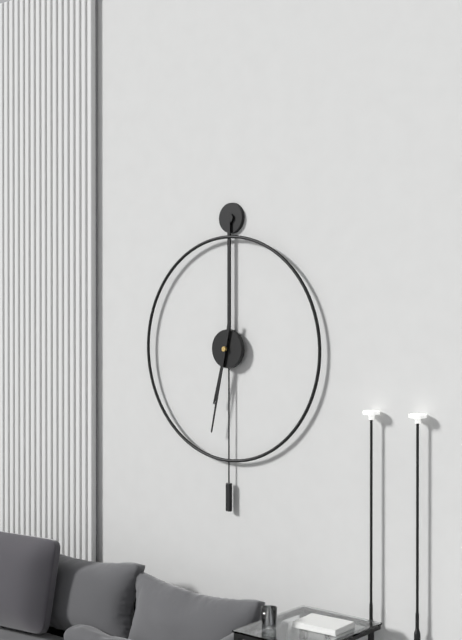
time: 6:32
